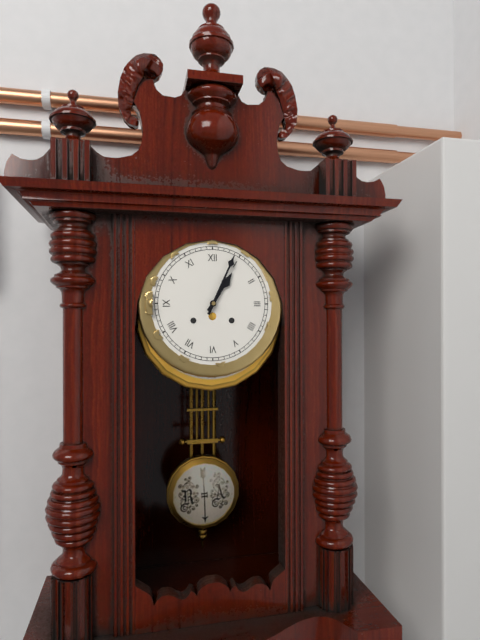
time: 1:04
